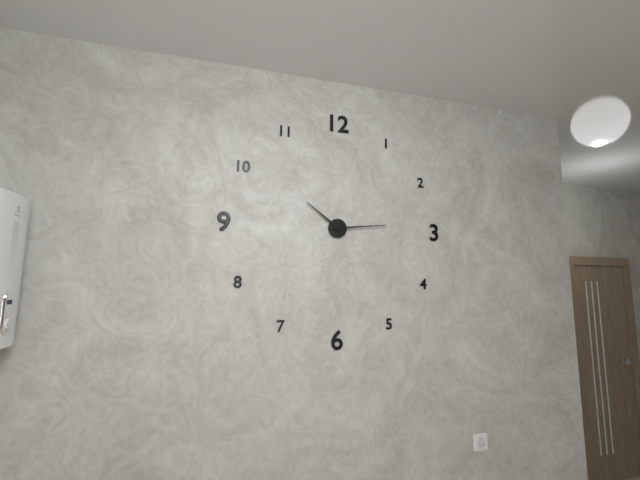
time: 10:14
